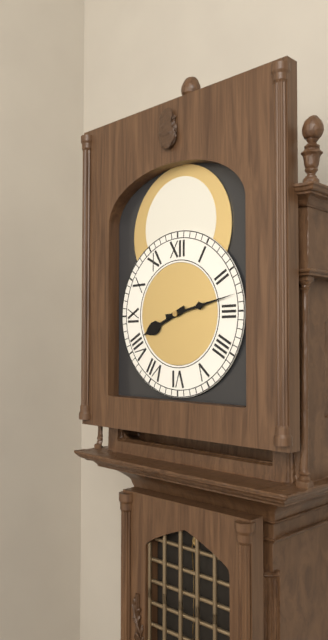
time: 8:13
